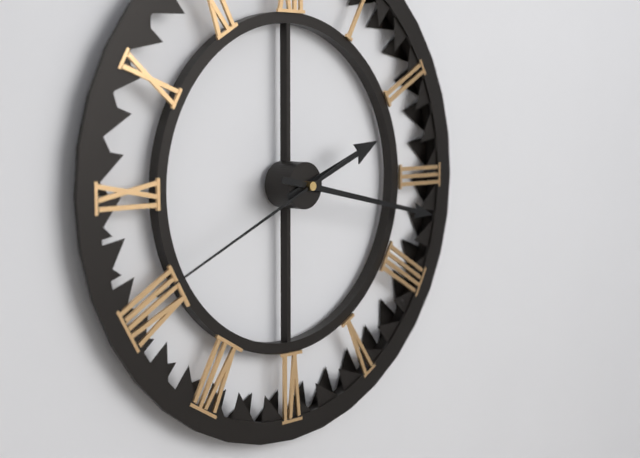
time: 2:17:41
